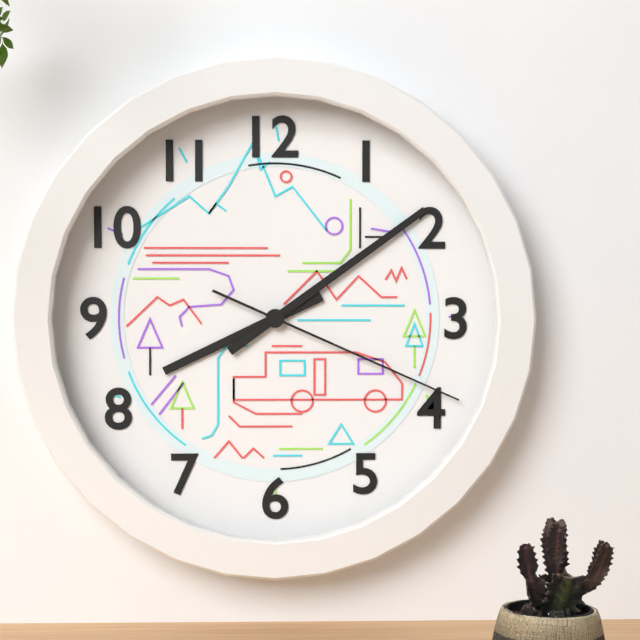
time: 8:09:19
